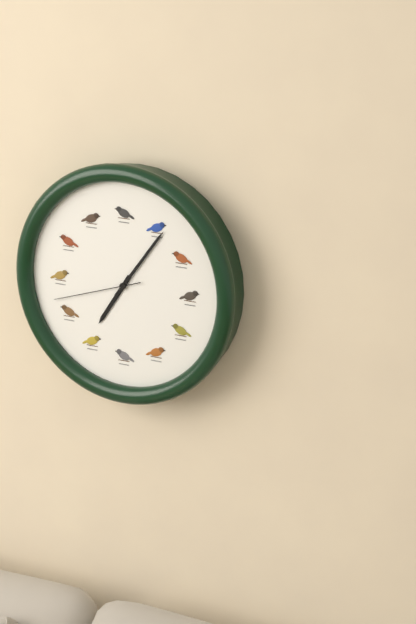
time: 7:06:42
